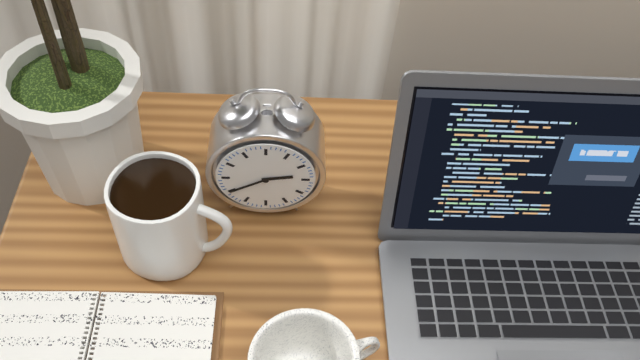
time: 2:40
